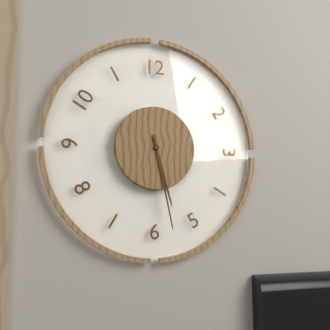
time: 5:28
